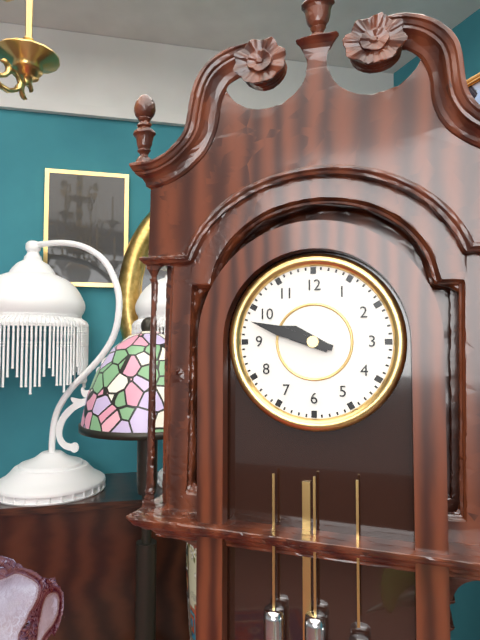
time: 9:48
